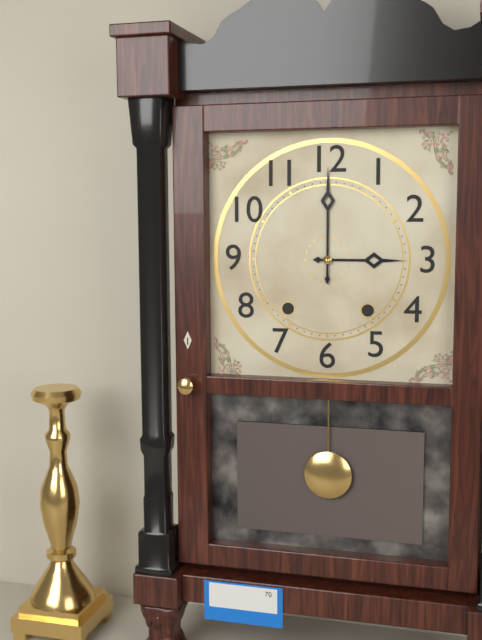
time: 3:00
